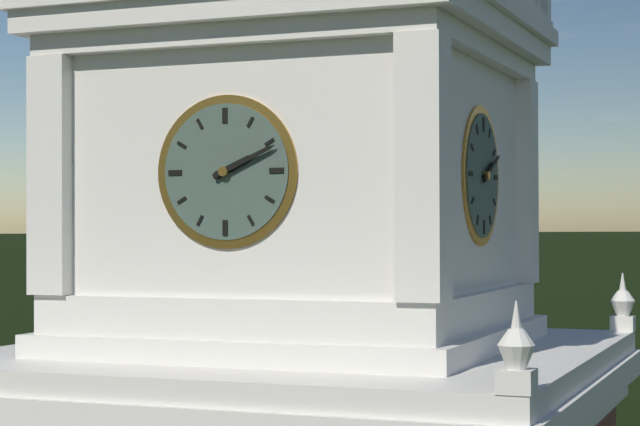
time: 2:11
